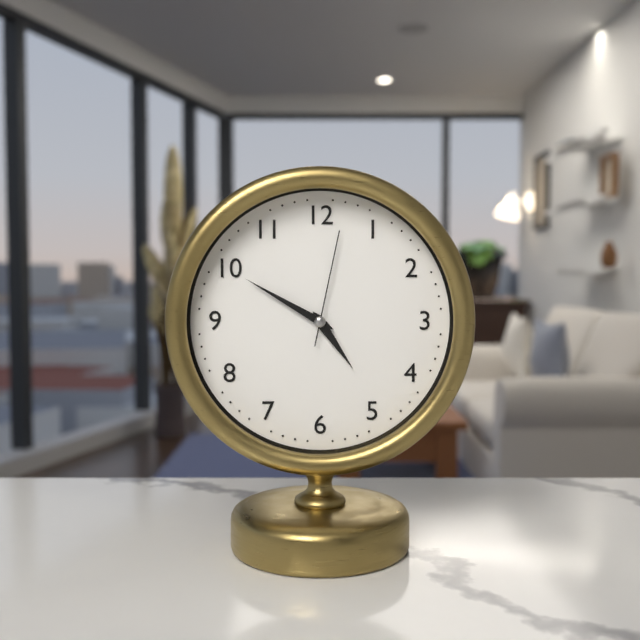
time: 4:50:02
